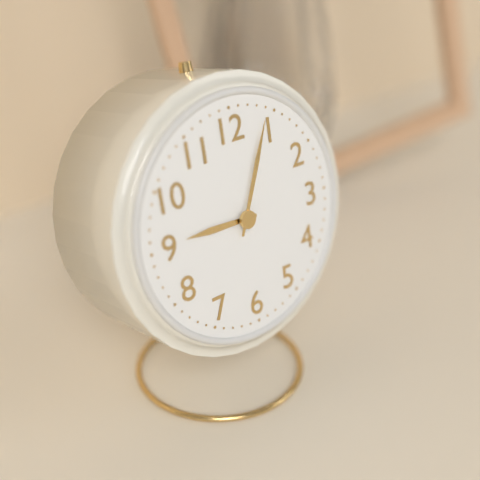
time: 9:04
